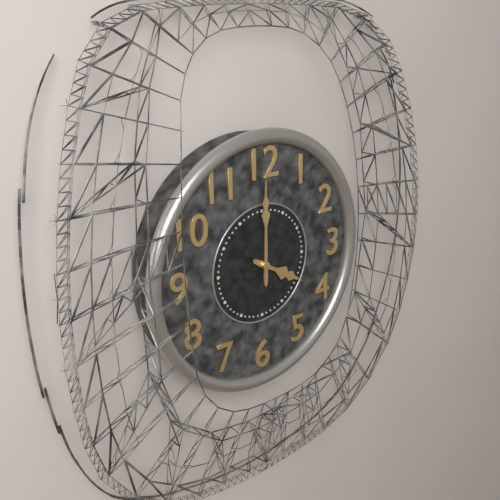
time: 4:00
